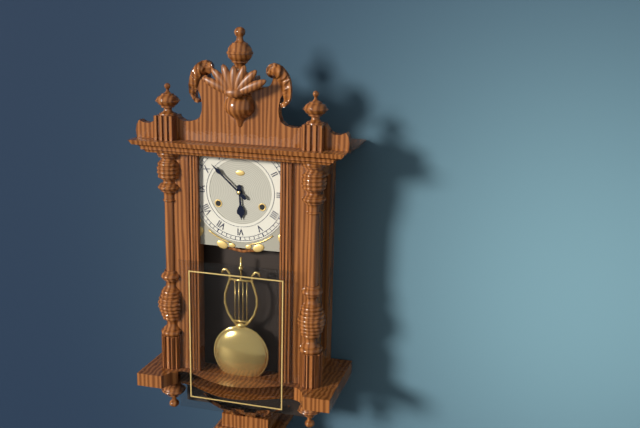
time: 5:52
